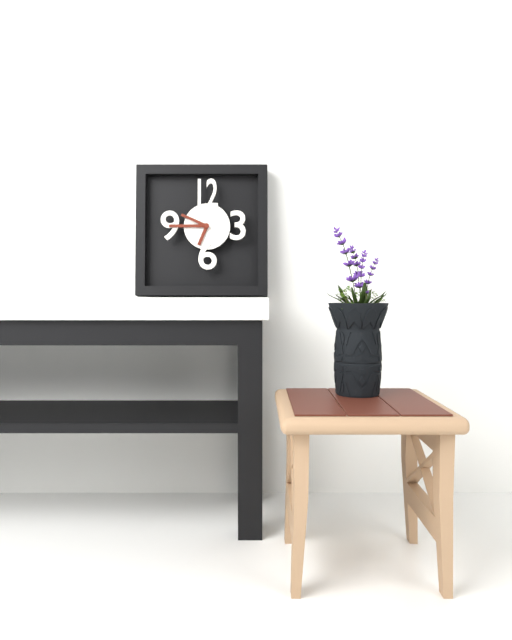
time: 6:45
